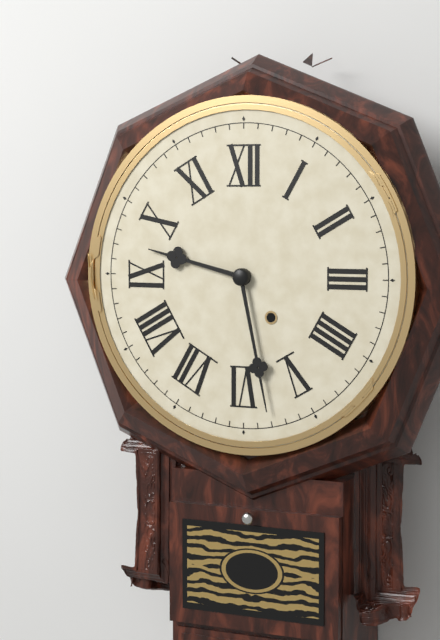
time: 9:28
